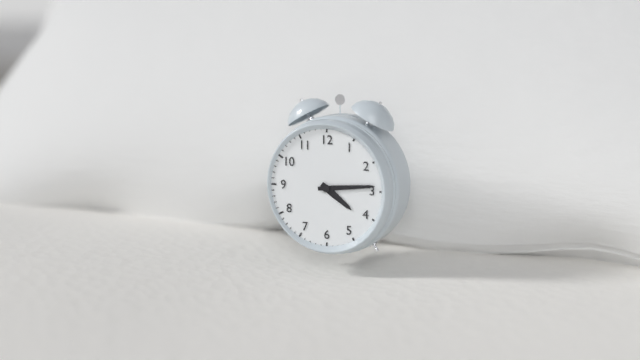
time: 4:14
